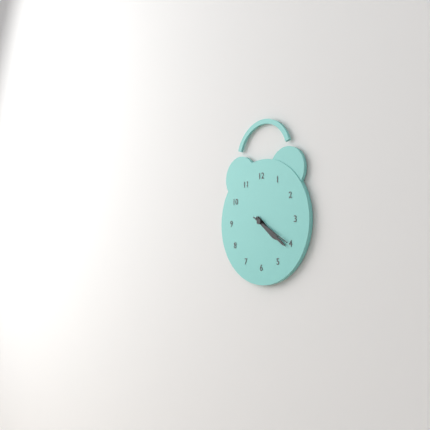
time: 4:21
